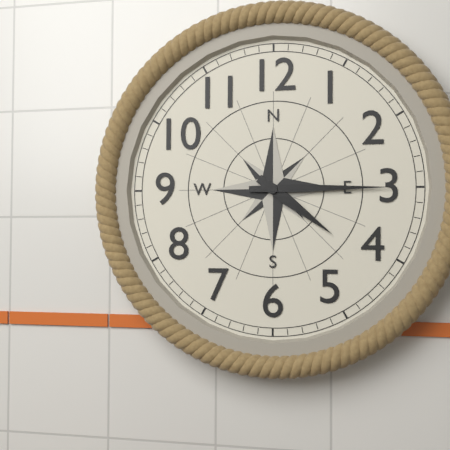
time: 4:15
